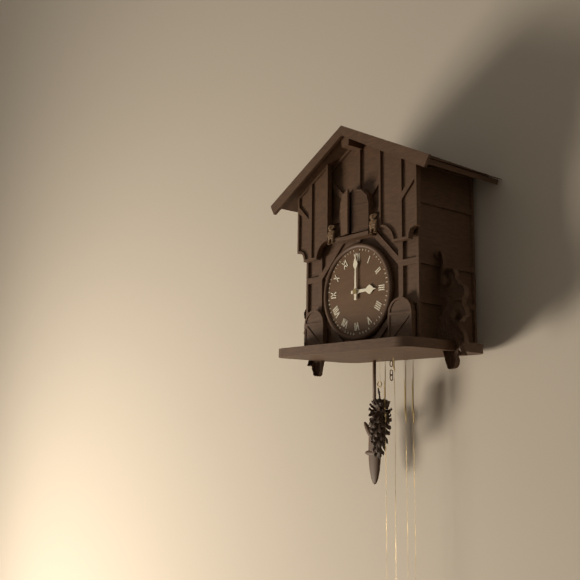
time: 3:00
